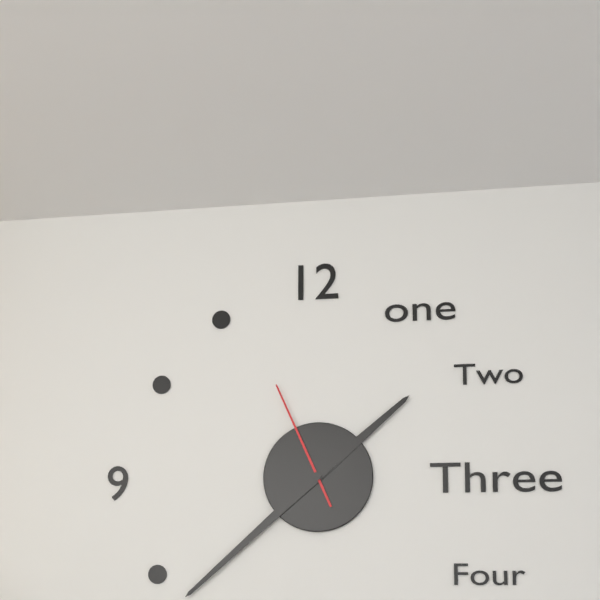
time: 1:38:56
